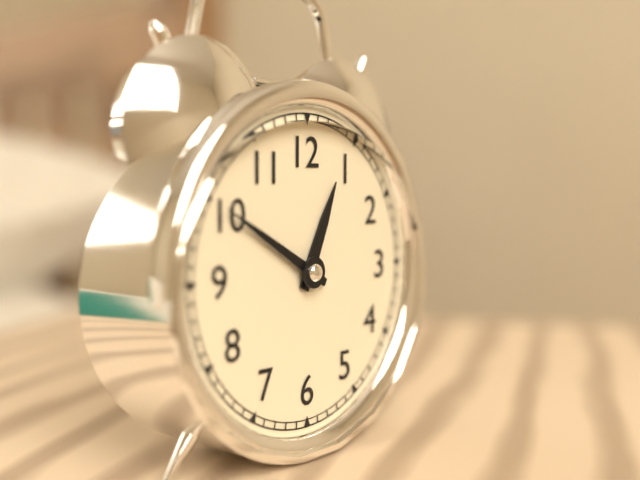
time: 12:50
